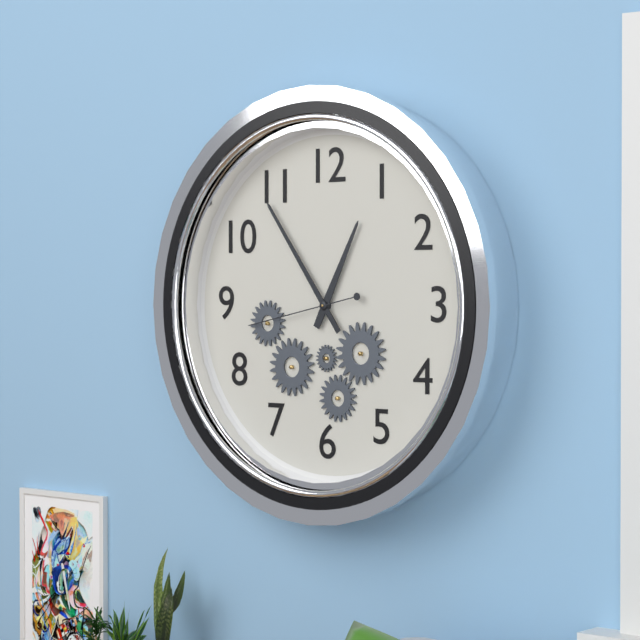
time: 12:54:43
